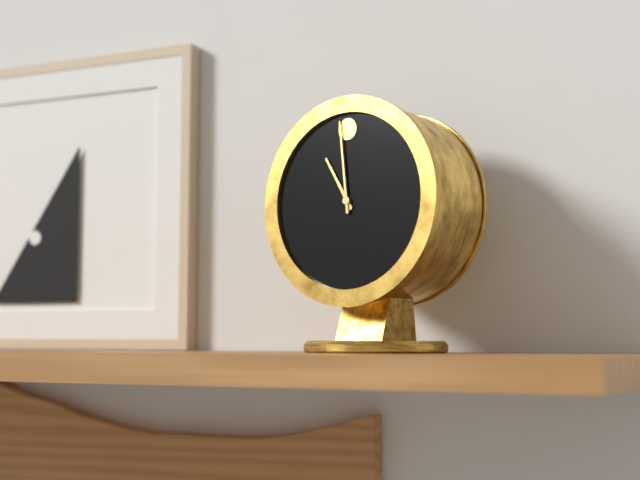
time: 10:59
